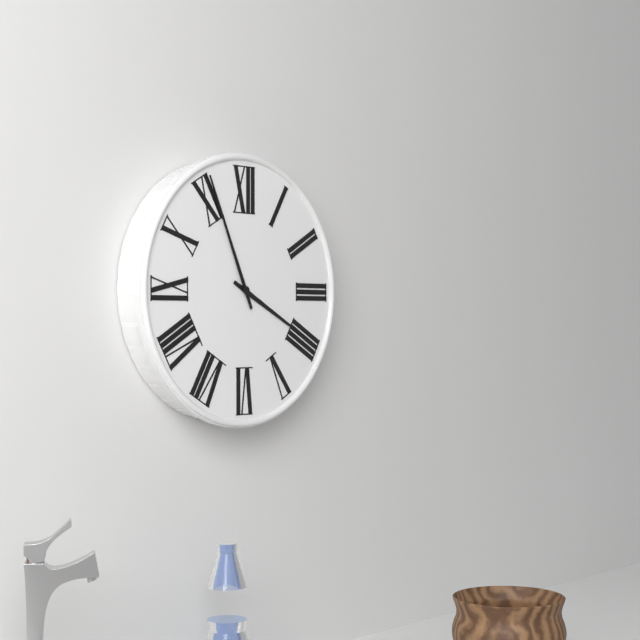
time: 3:56
